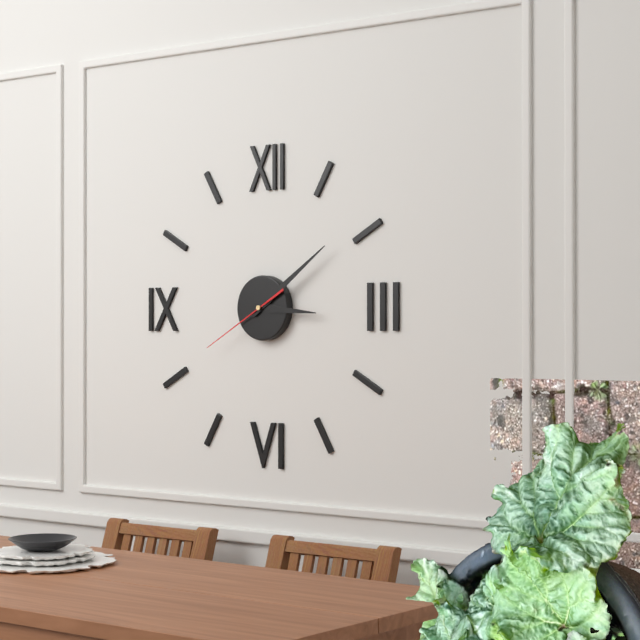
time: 3:09:40
